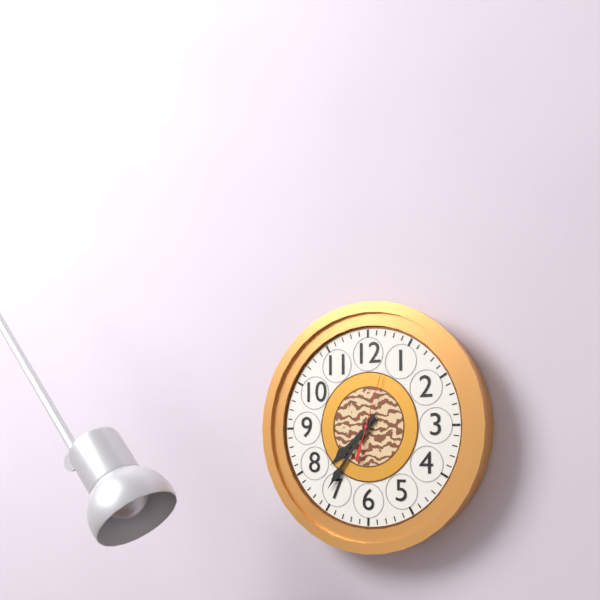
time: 7:36:03
